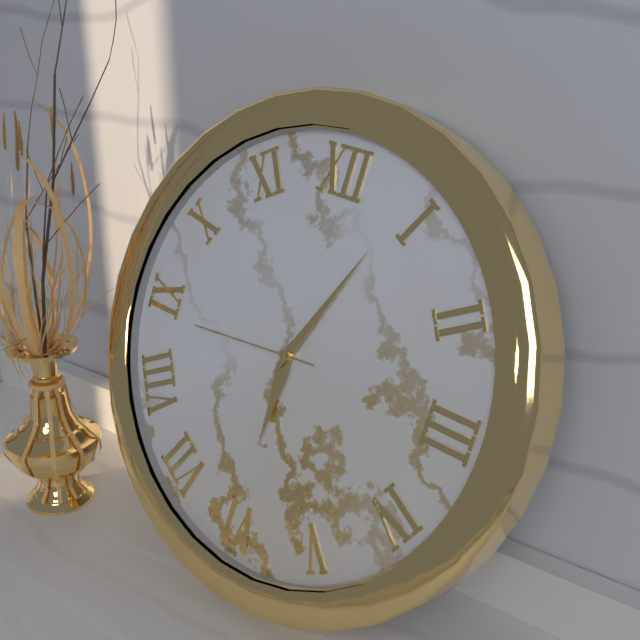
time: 6:04:44
